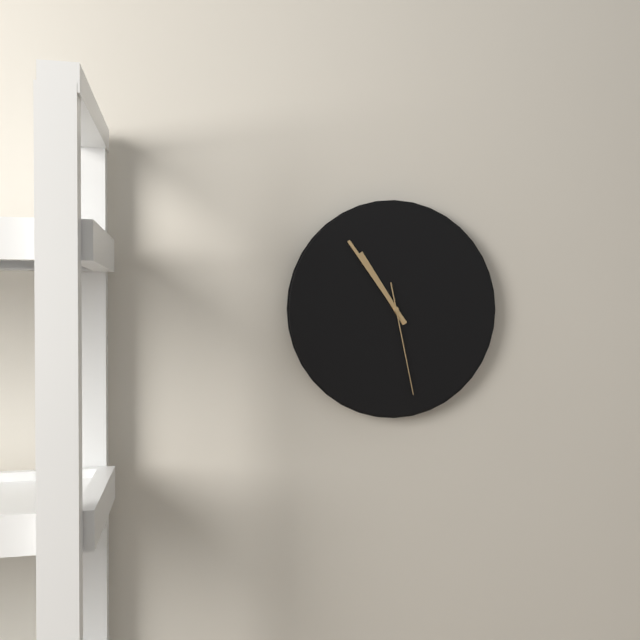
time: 10:54:28
